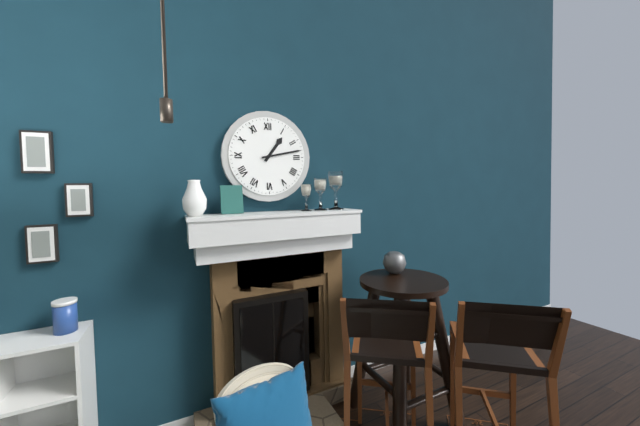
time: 1:13
